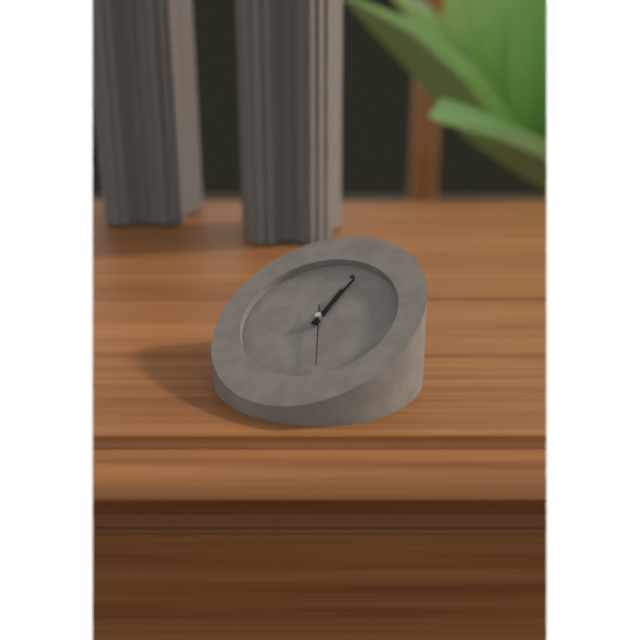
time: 12:01:25
